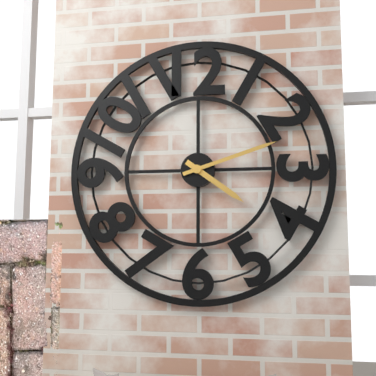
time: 4:12
